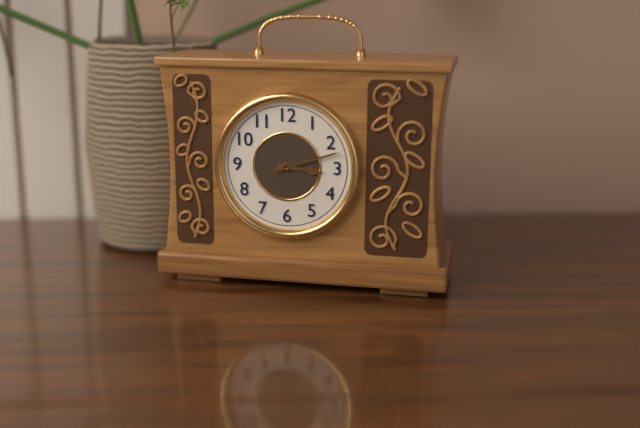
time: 3:12
